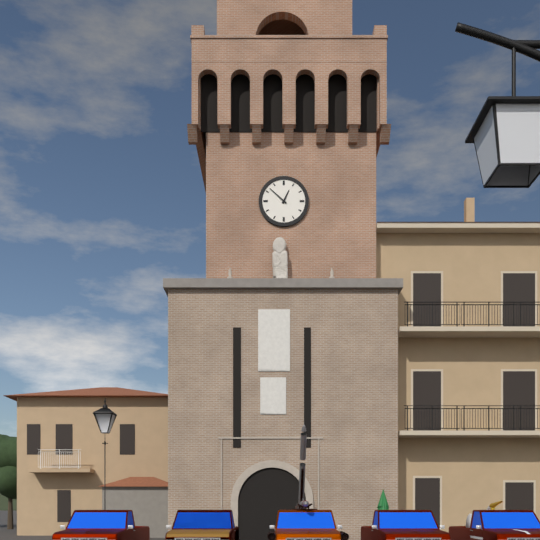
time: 12:52
